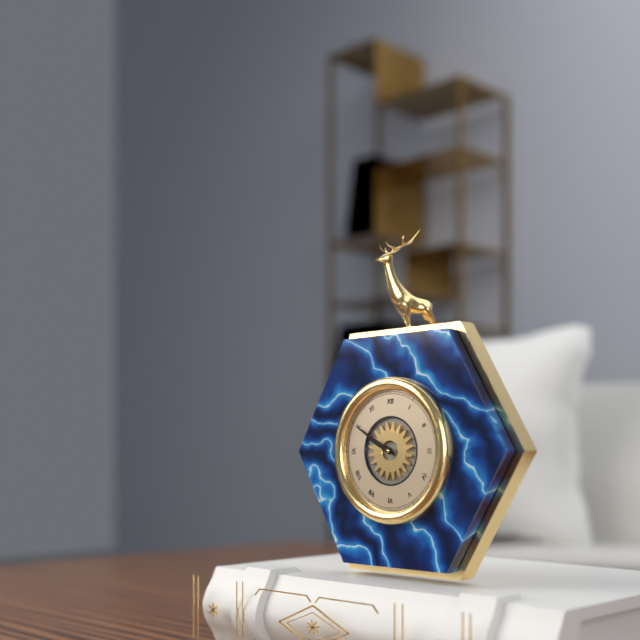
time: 9:50
